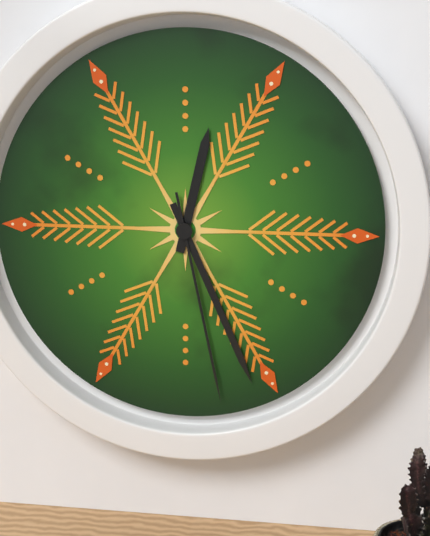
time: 12:26:28
